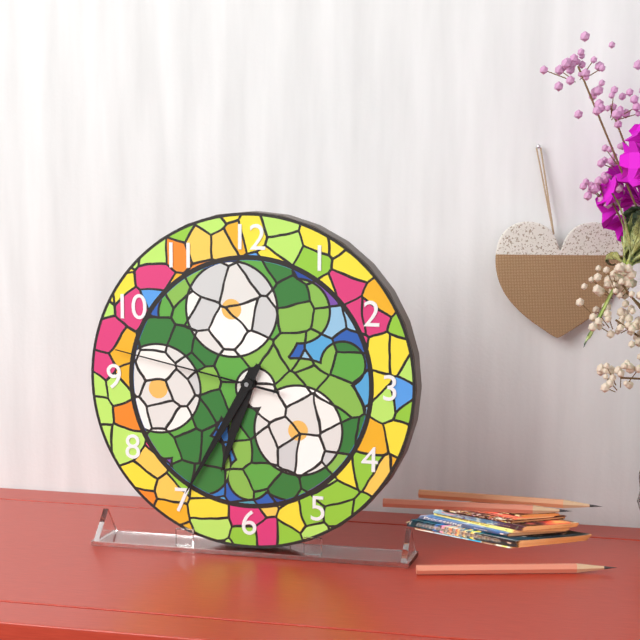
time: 6:35:47
